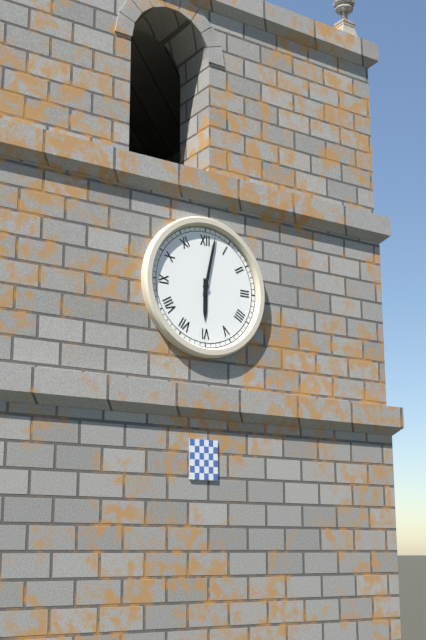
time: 6:02
